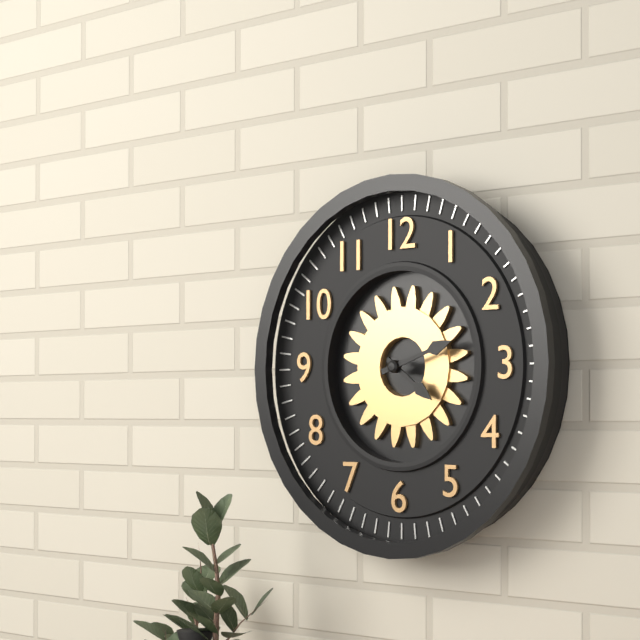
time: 4:12
